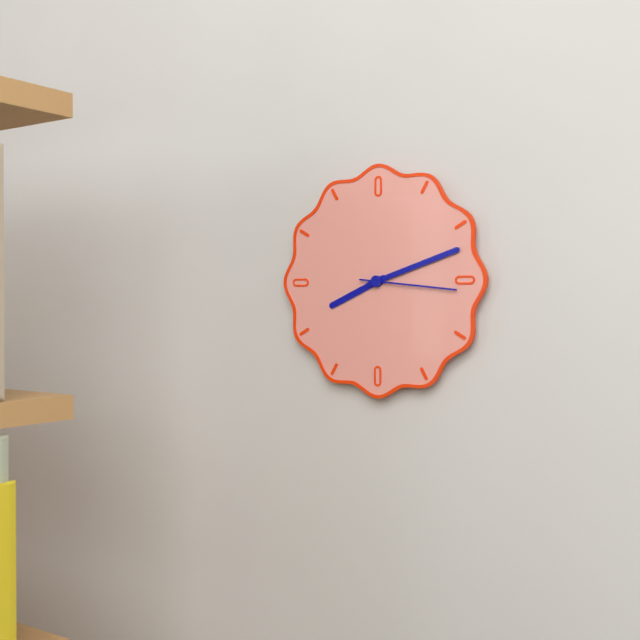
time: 8:12:16
